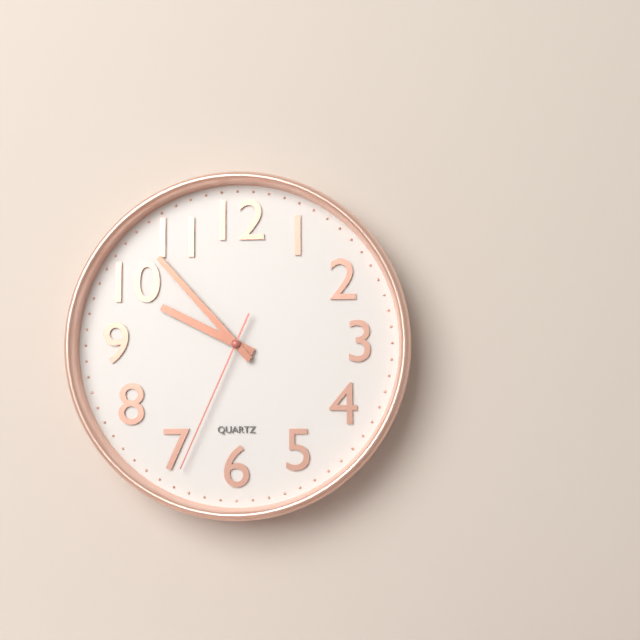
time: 9:53:34
